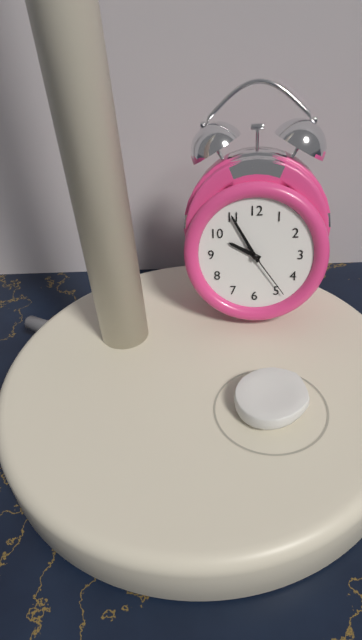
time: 9:55:24
